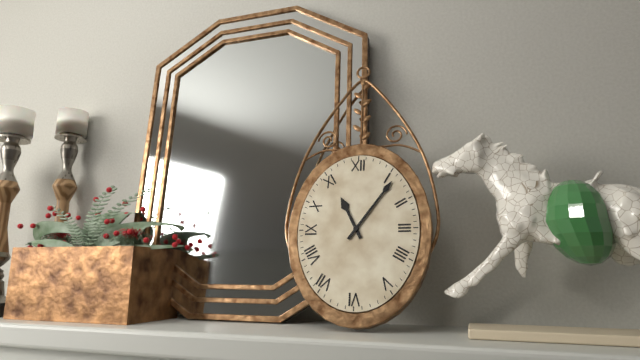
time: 11:06
